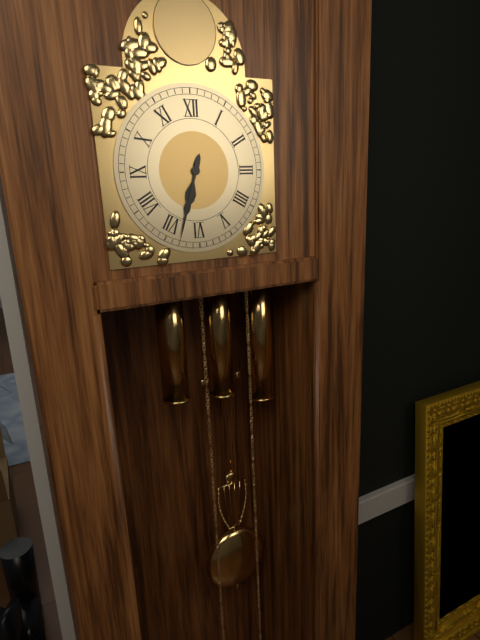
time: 6:33
